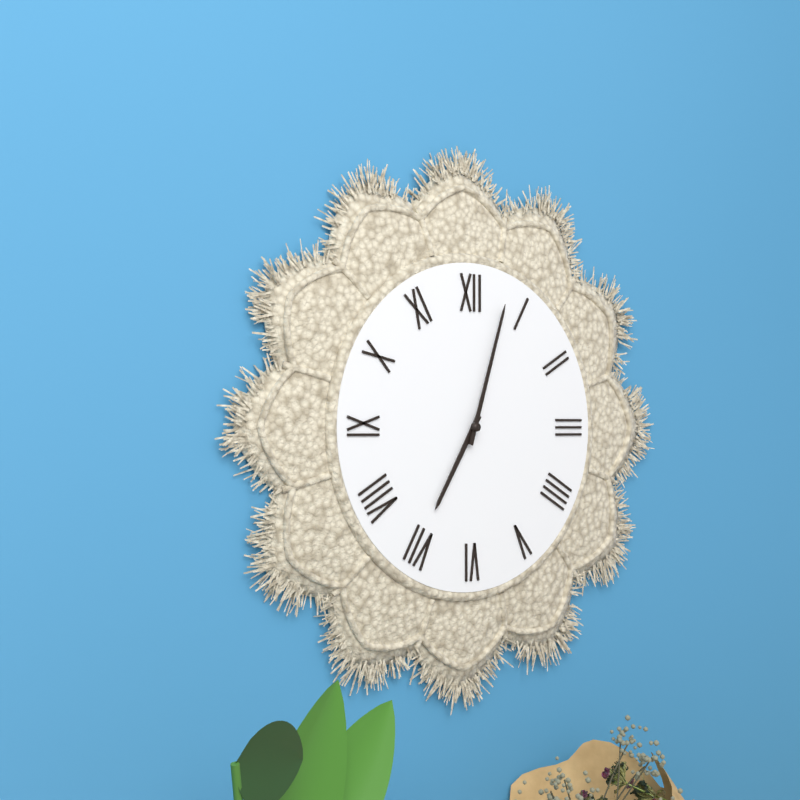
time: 7:03
